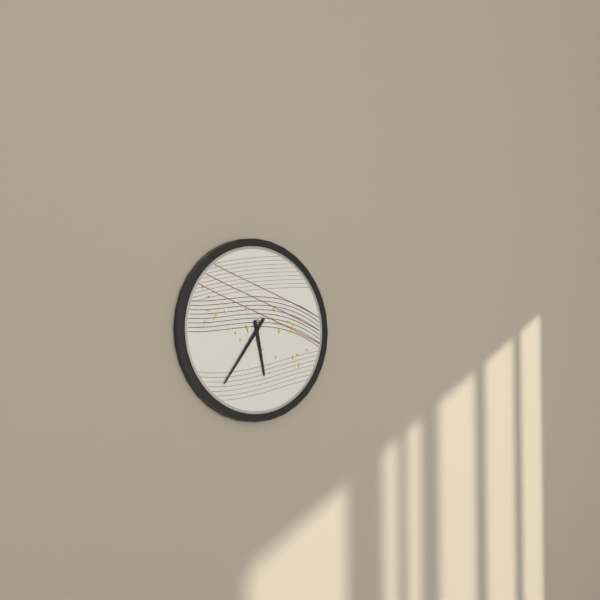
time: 5:36
